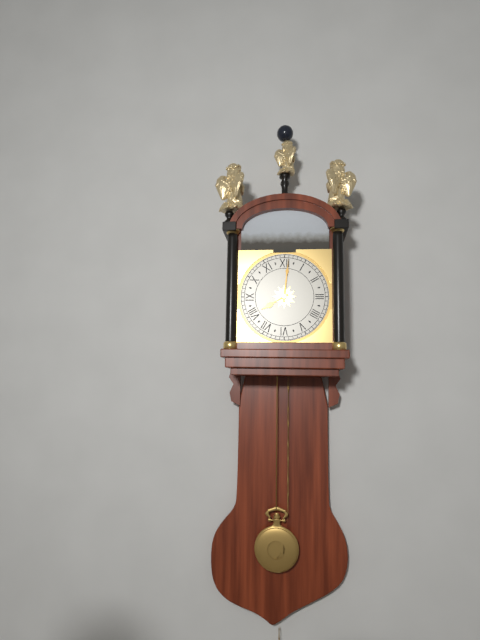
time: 8:01
